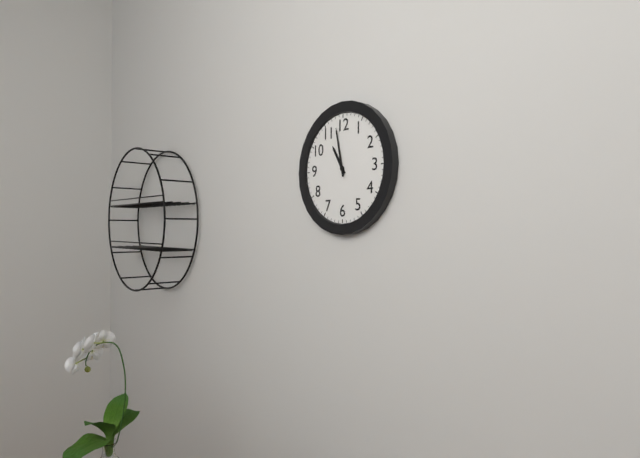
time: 10:58
